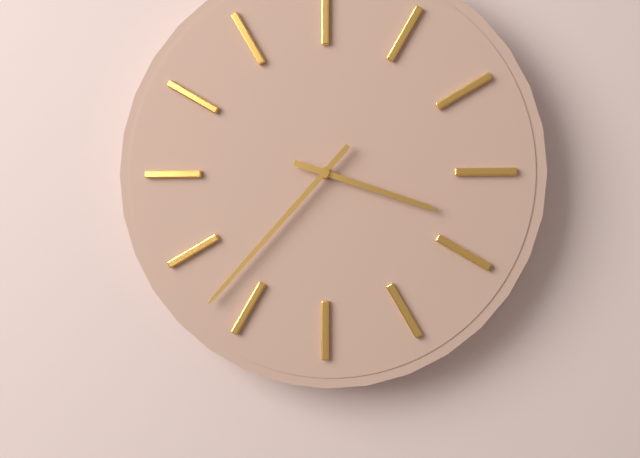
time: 3:37
